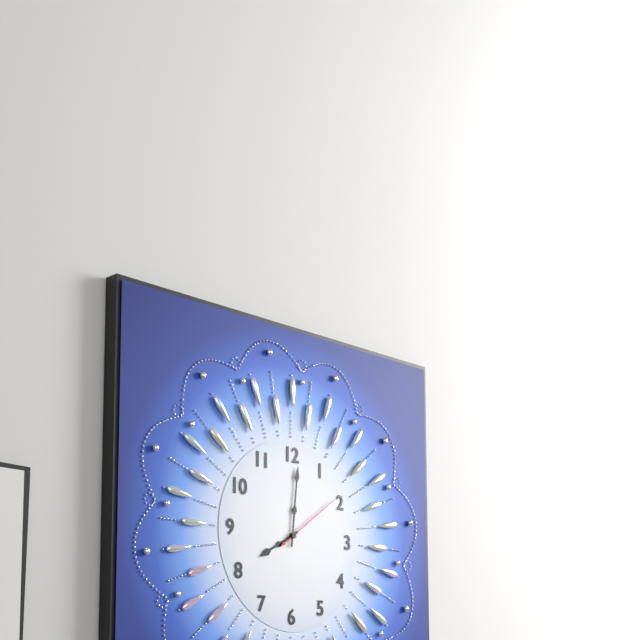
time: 8:01:09
